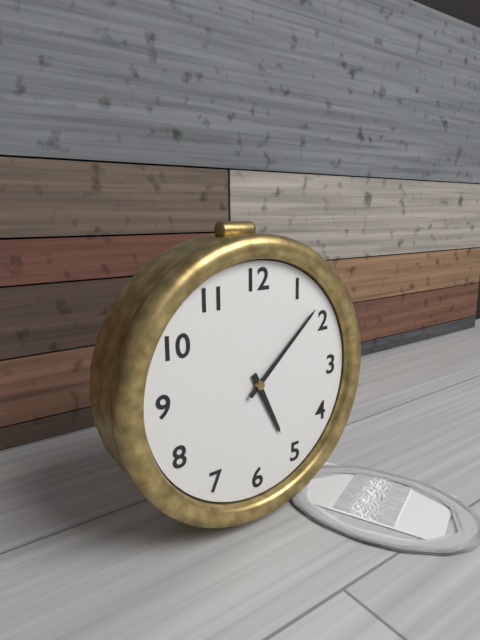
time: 5:08
